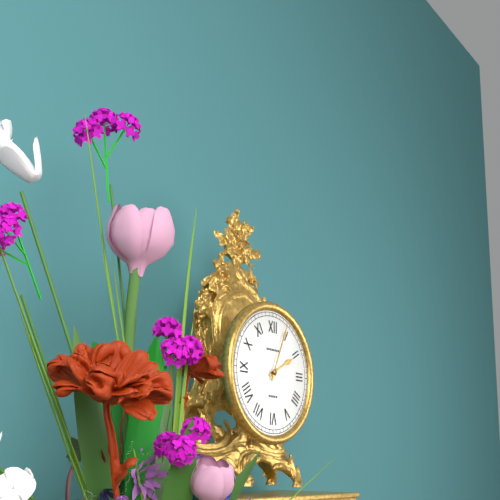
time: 2:04
